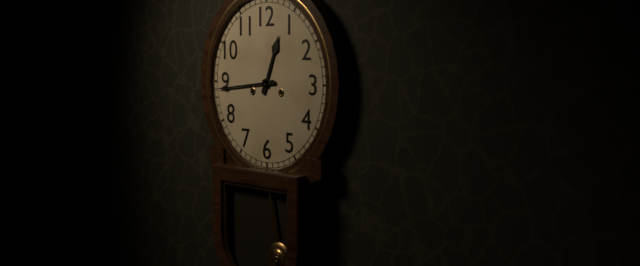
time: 12:44
